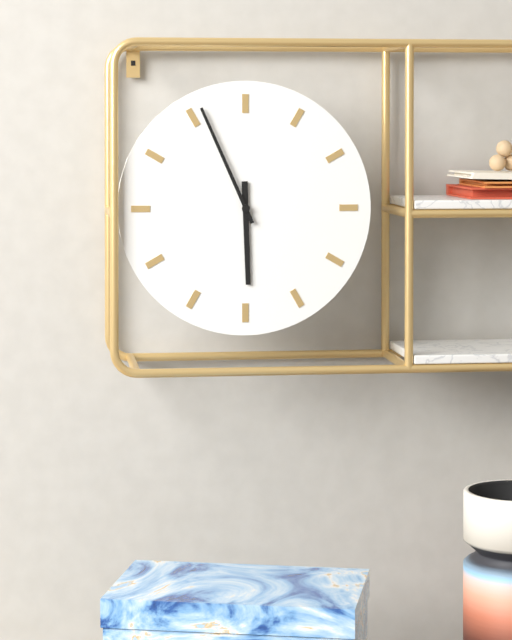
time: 5:56
